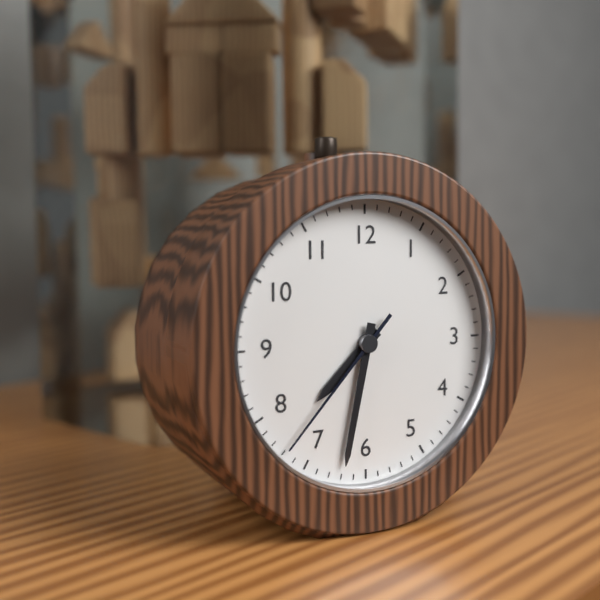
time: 7:32:37
